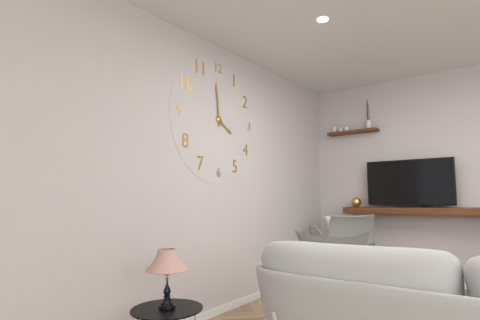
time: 3:59
